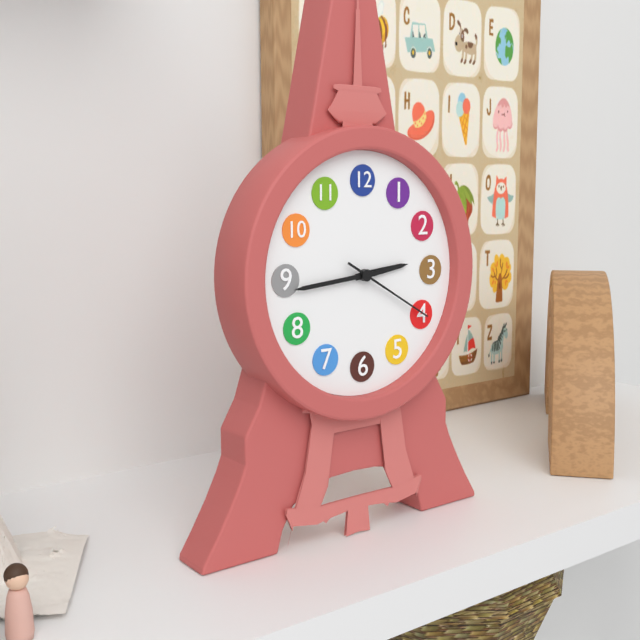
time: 2:44:20
